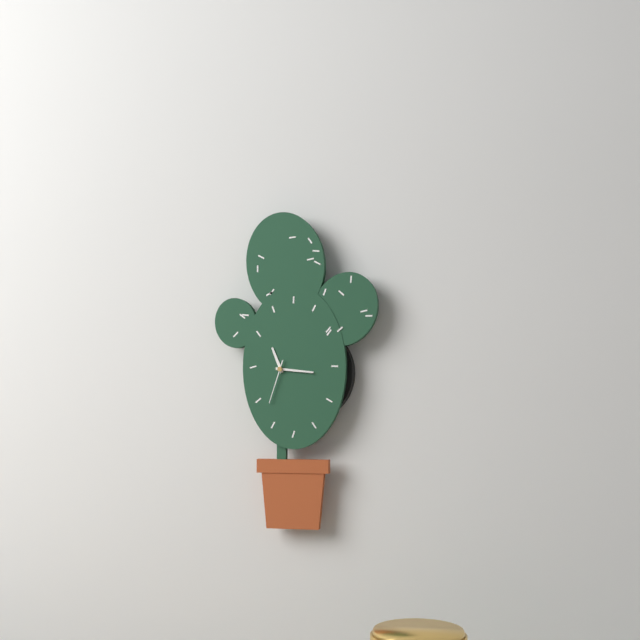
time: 11:16
